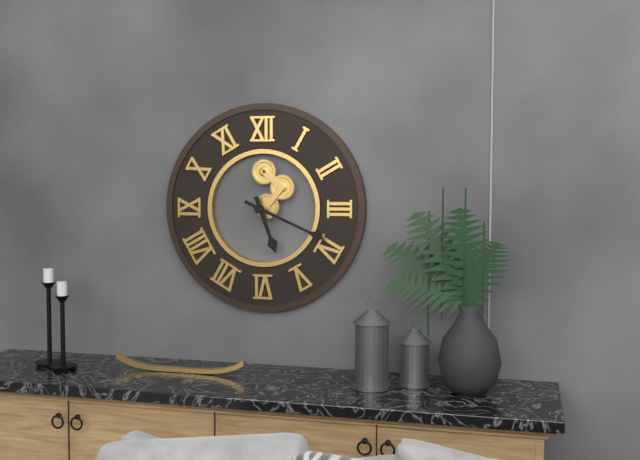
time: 5:19
